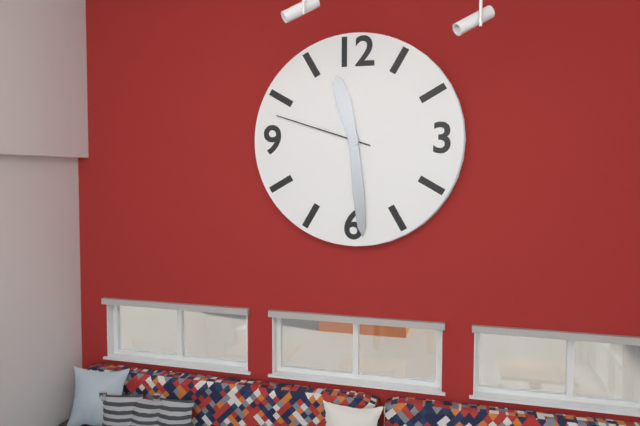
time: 11:29:48
